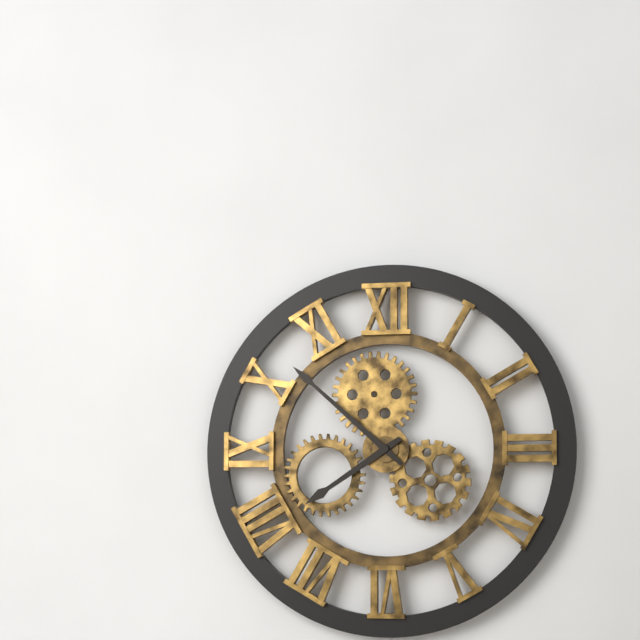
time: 7:52
